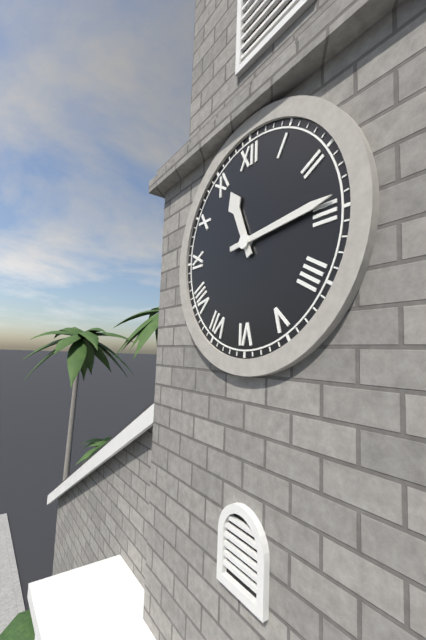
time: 11:14
